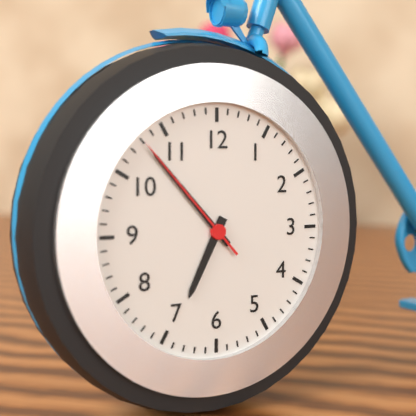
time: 6:53:53
